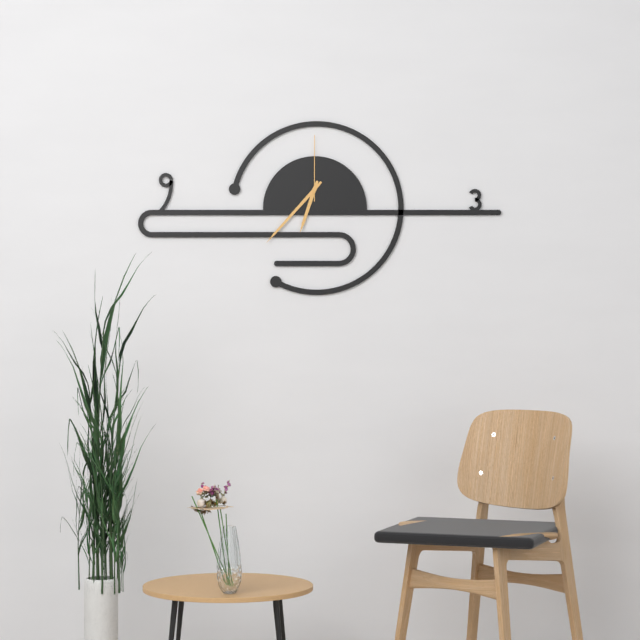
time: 6:37:00
